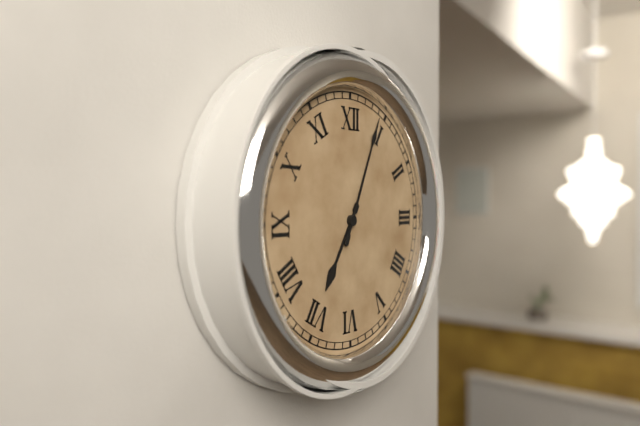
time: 7:04
